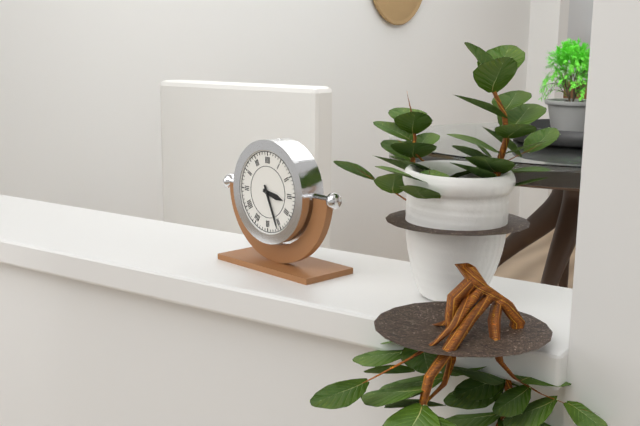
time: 3:26
